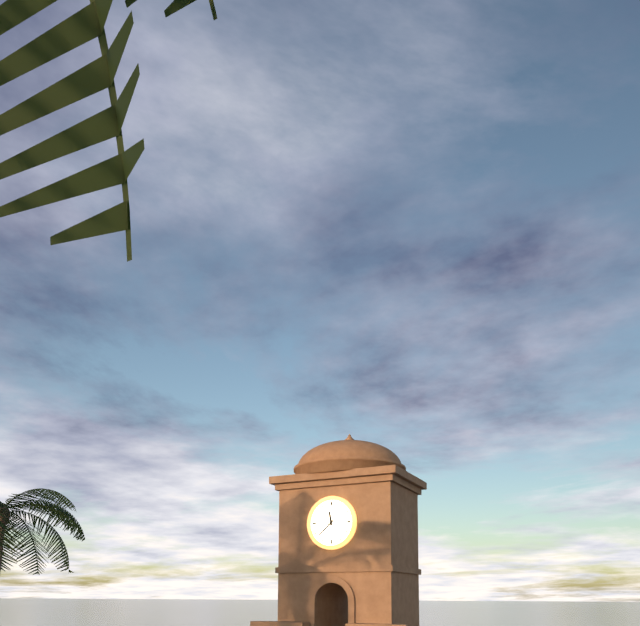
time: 11:38
